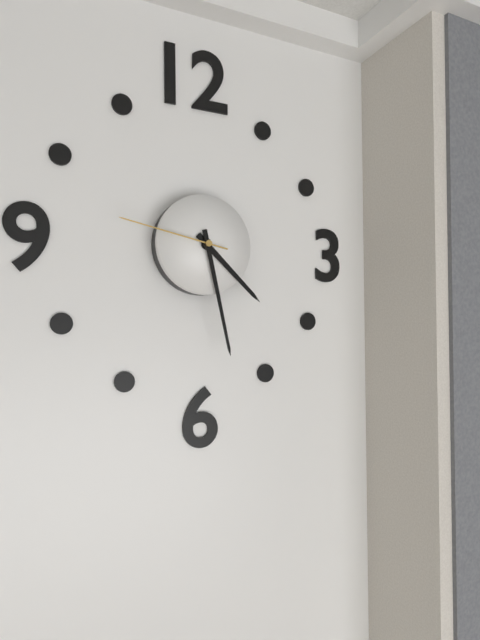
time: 4:28:47
